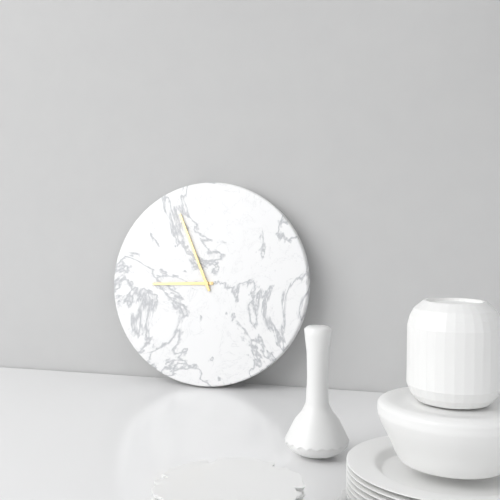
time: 8:56
